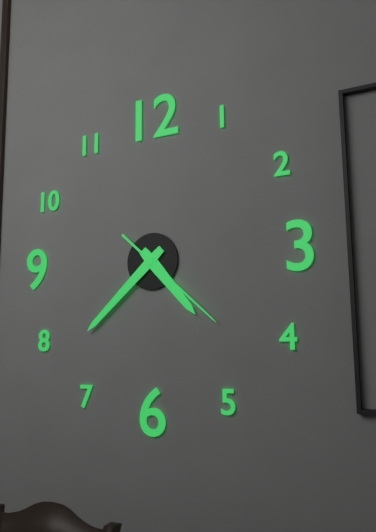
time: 4:38:22
